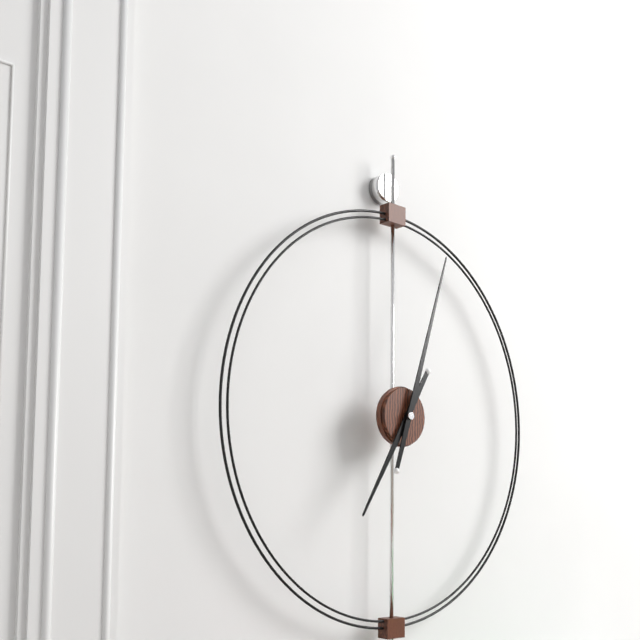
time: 7:03
